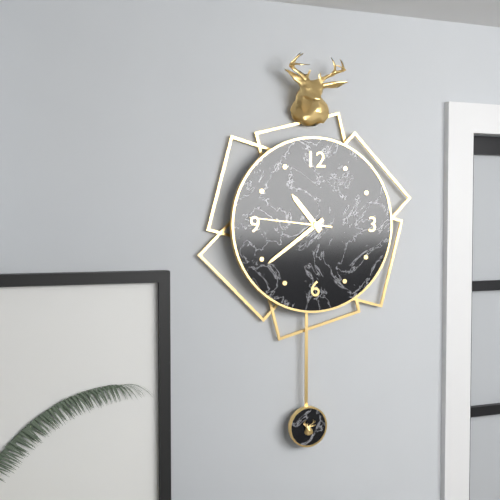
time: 10:39:46
